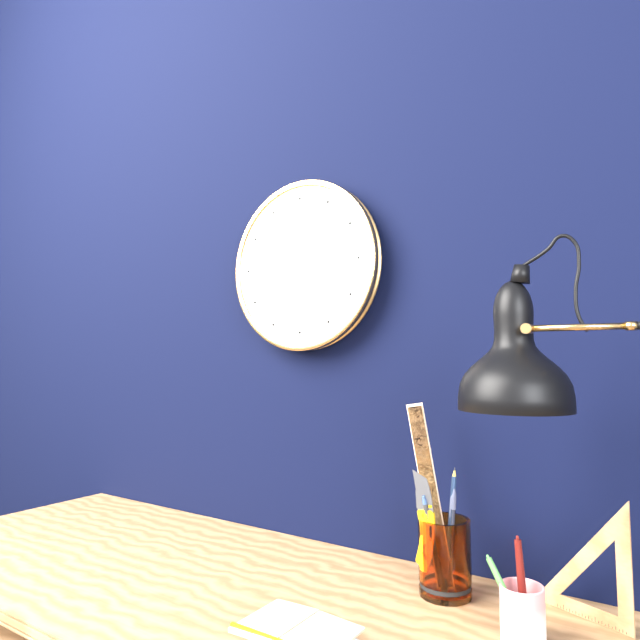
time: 5:02
